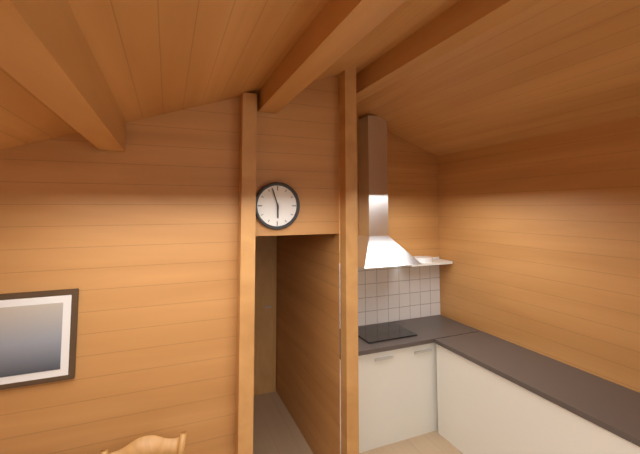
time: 5:57
